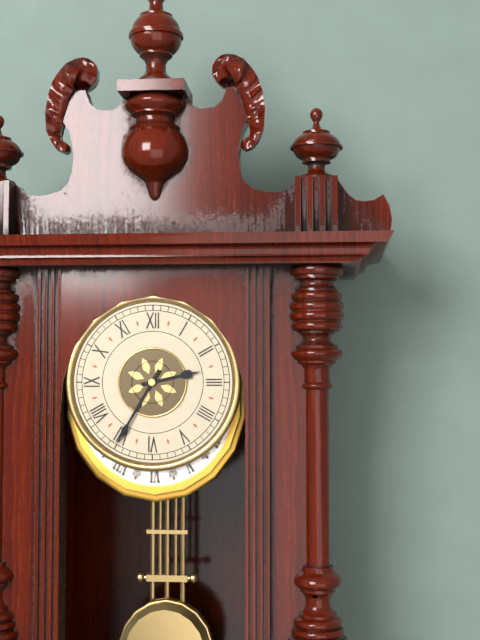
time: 2:35
